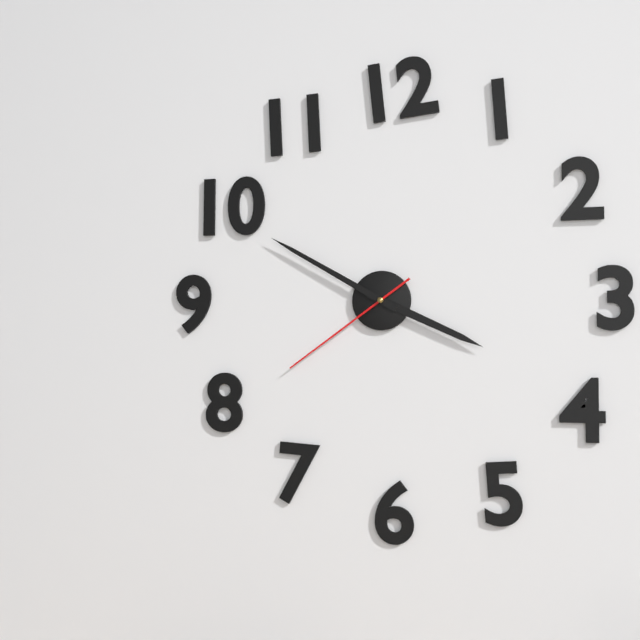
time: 3:50:39
